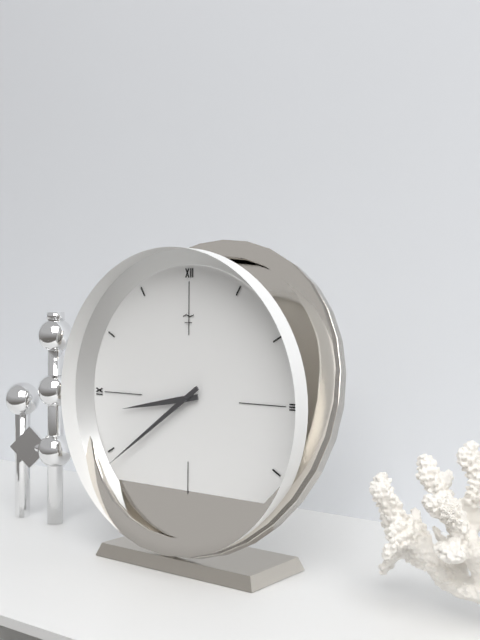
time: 8:39
